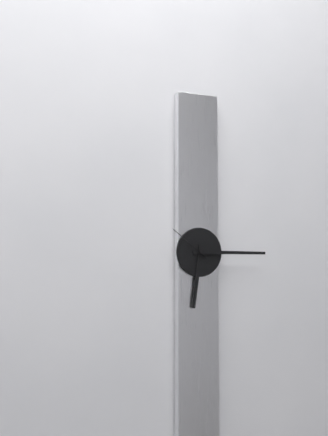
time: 6:15
